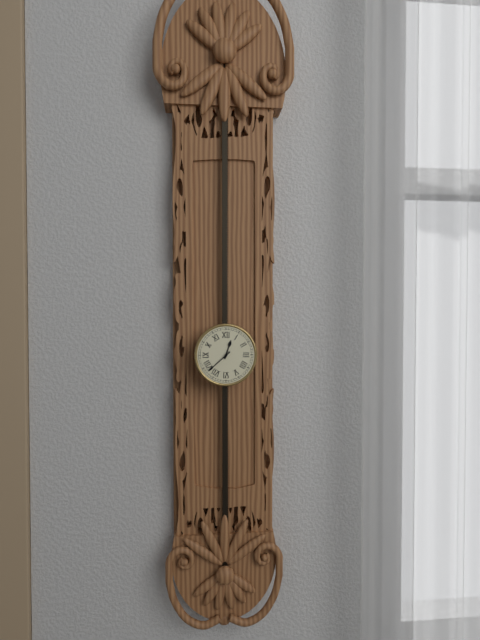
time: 12:38
